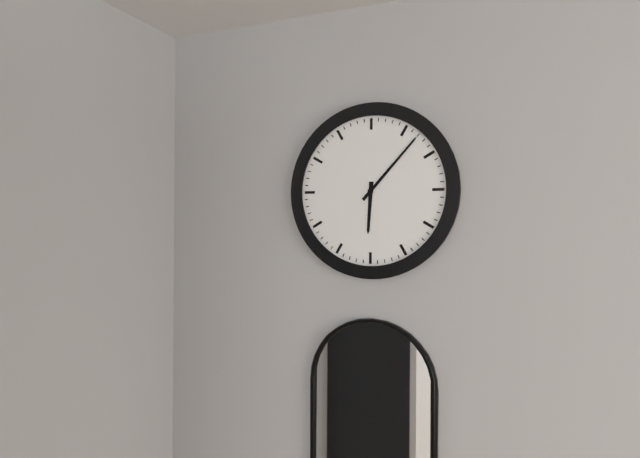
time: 6:07
